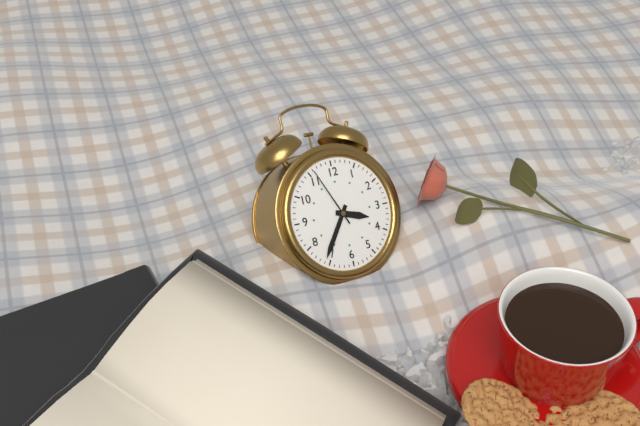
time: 3:36:56
